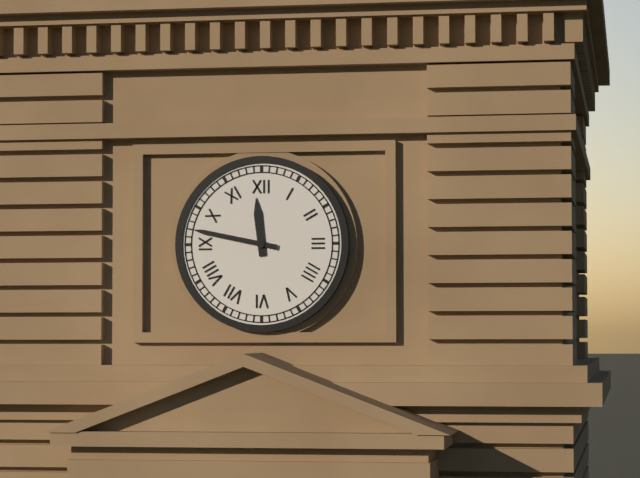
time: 11:47
